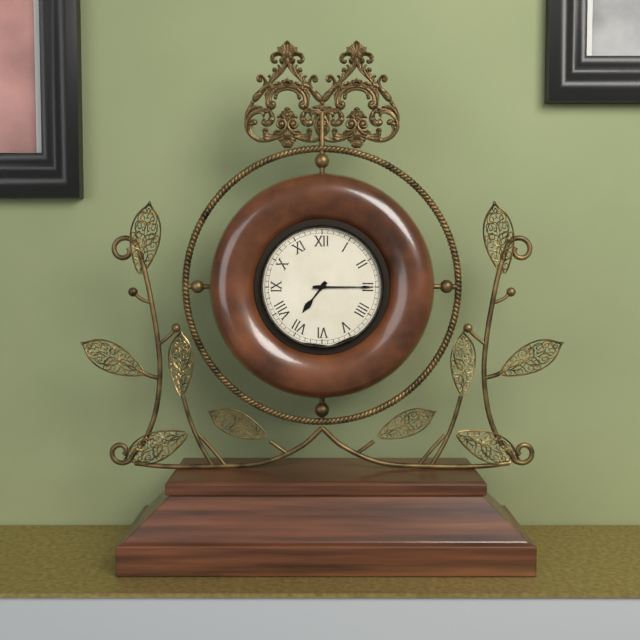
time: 7:15
